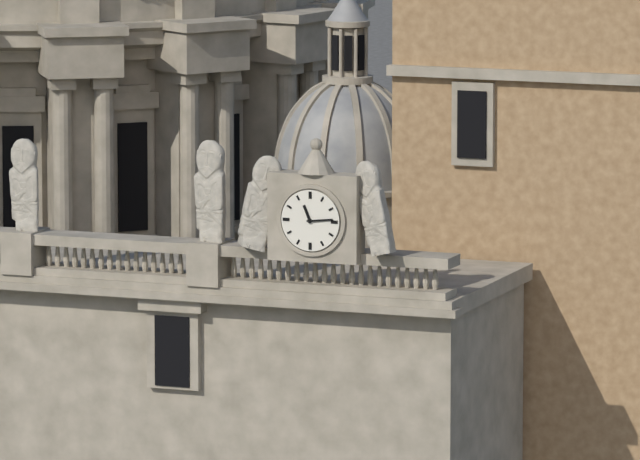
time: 11:14
